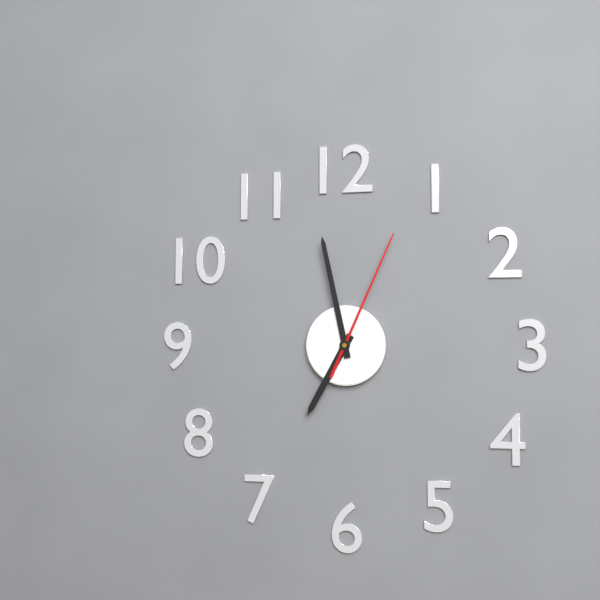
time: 6:58:04
